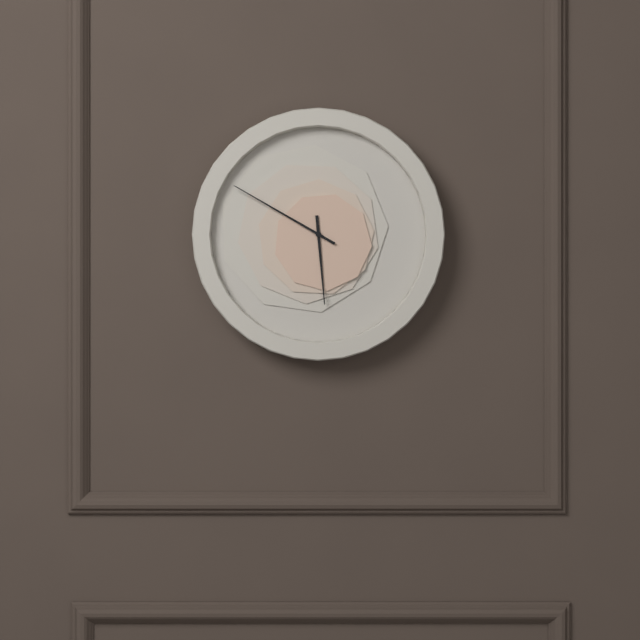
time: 5:50
